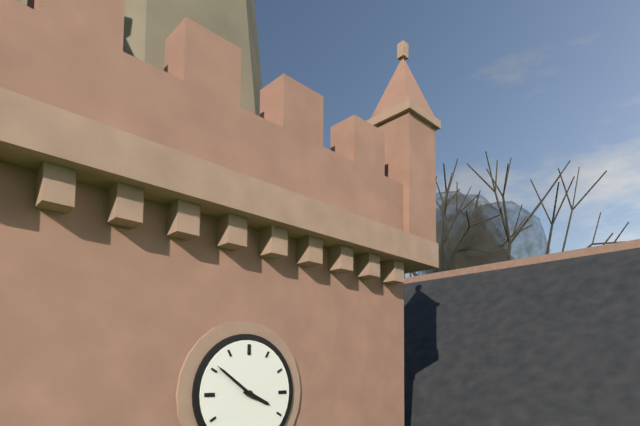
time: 3:51
